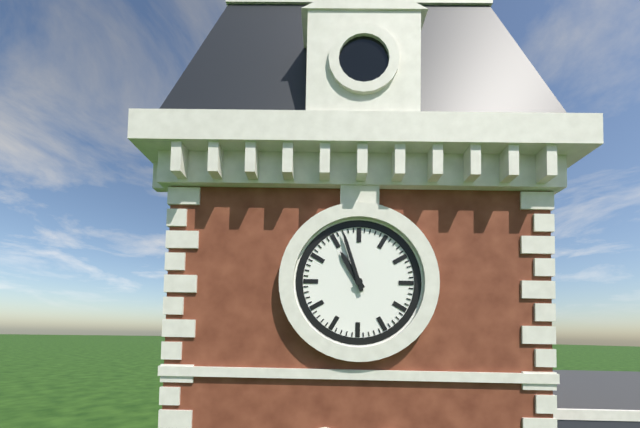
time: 10:57
